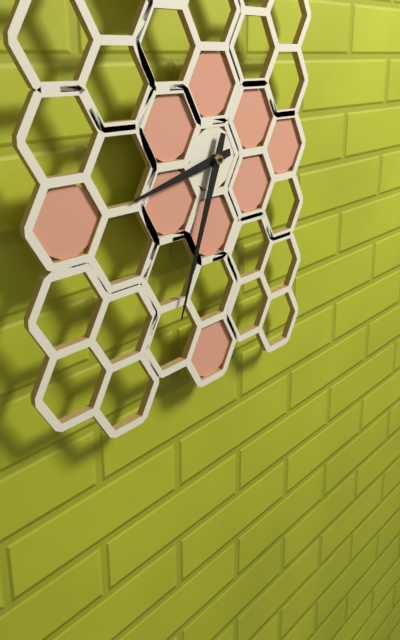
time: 8:33
